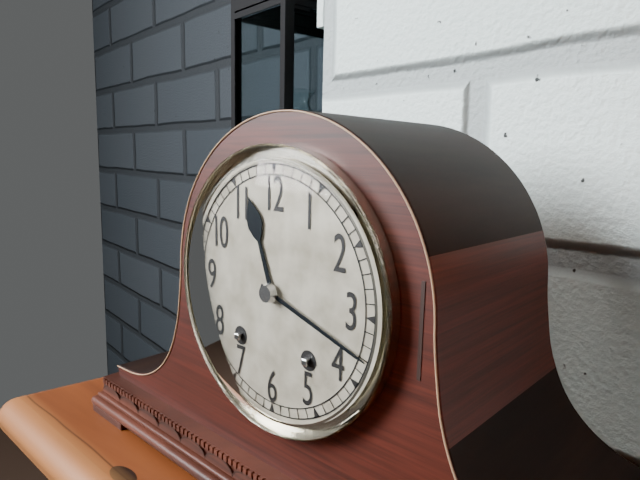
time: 11:18
